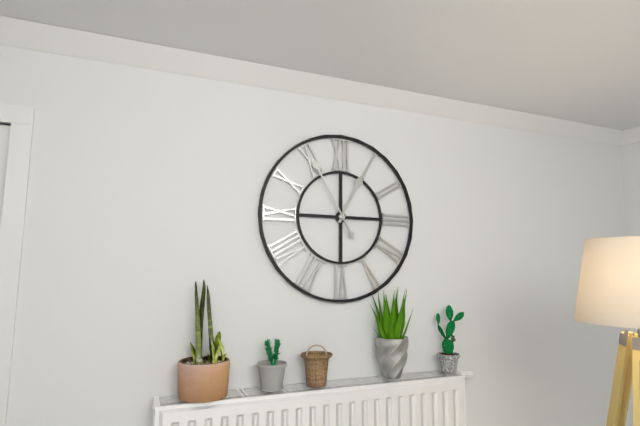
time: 12:55
